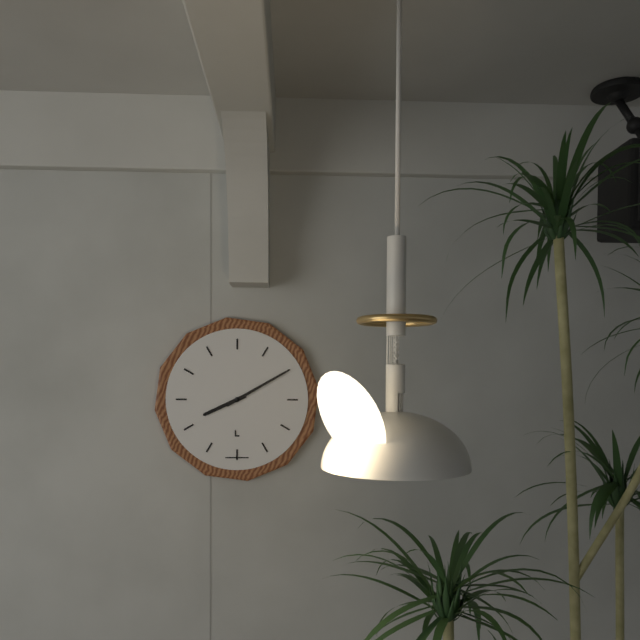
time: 8:10
